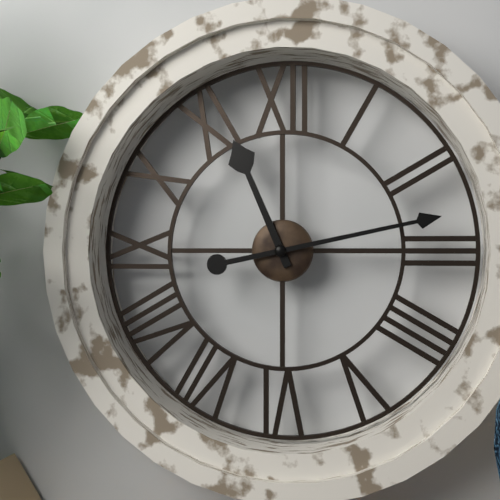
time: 11:13
